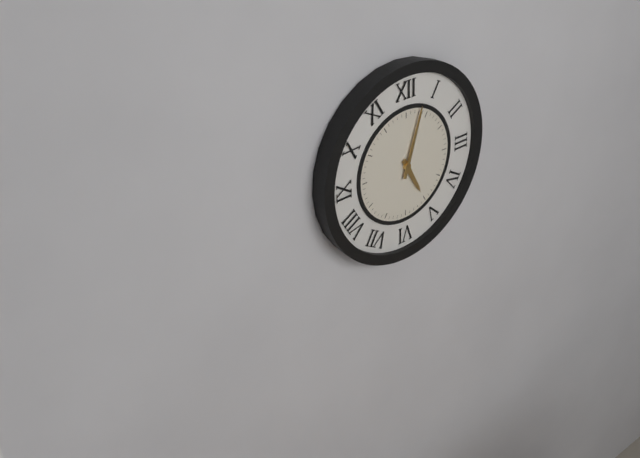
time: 5:03
